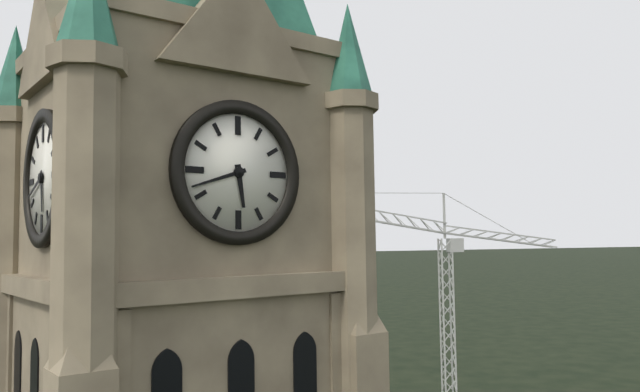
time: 5:42
